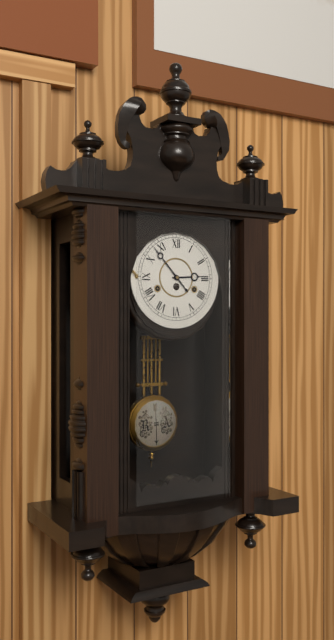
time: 2:53
